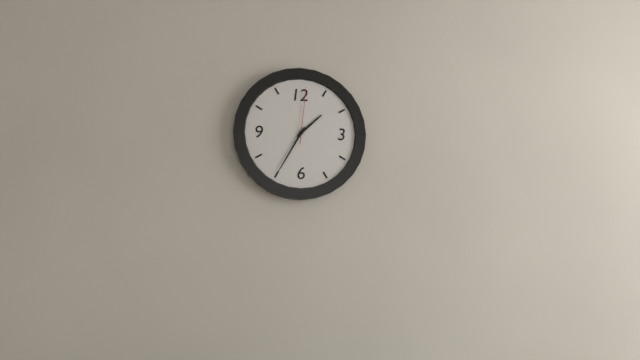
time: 1:35:01
